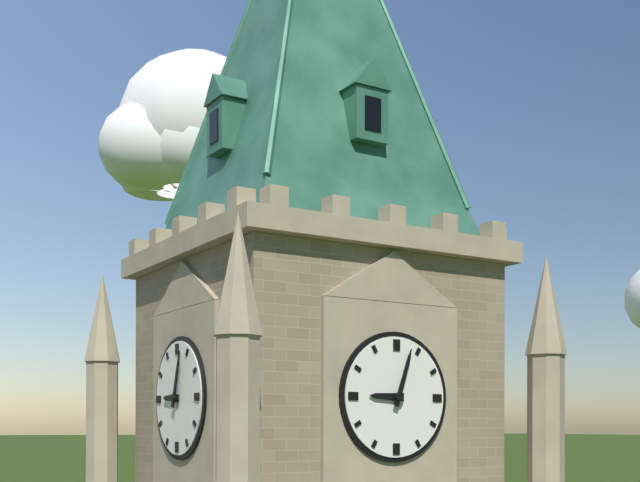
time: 9:03
